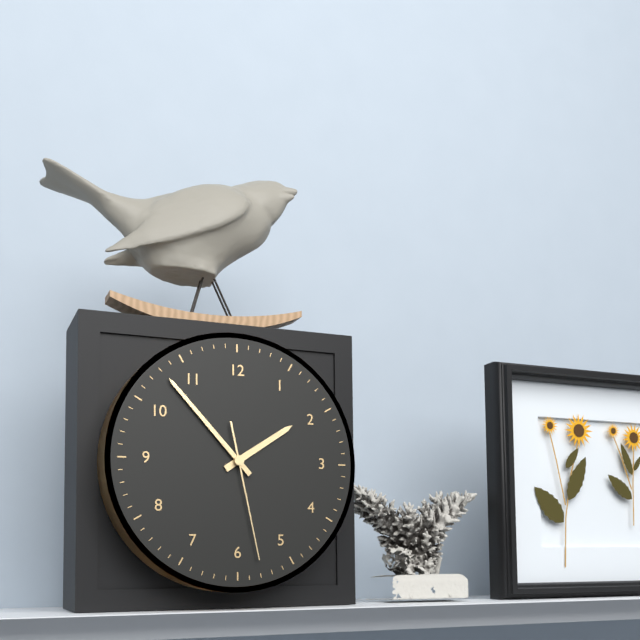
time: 1:53:28
